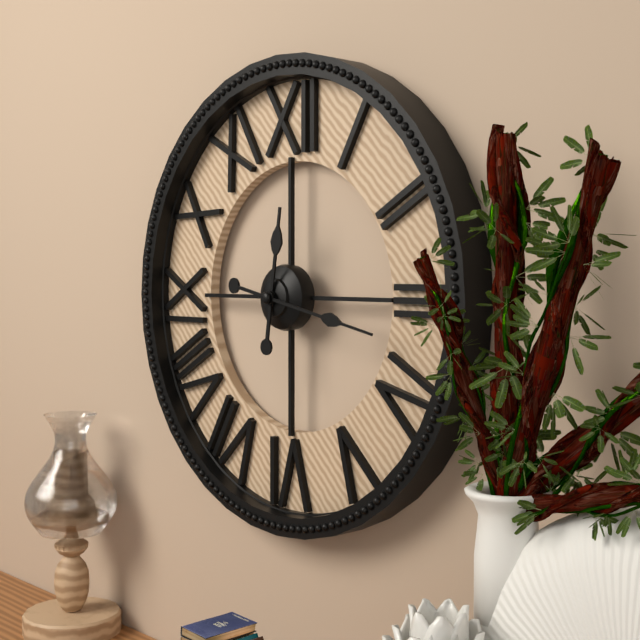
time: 12:17
